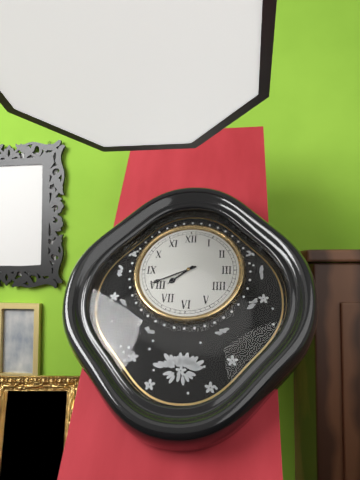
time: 7:41
